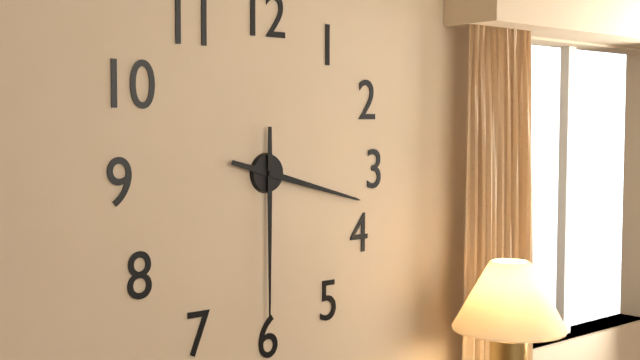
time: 3:30
